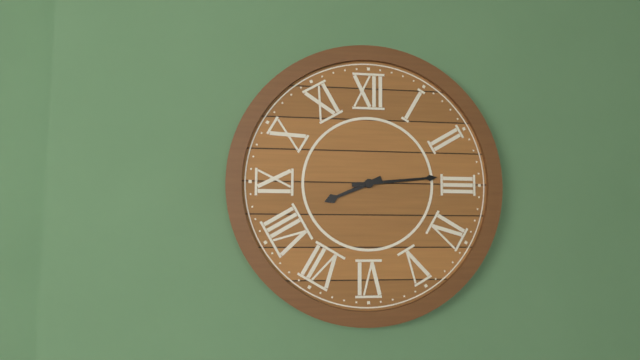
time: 8:14
